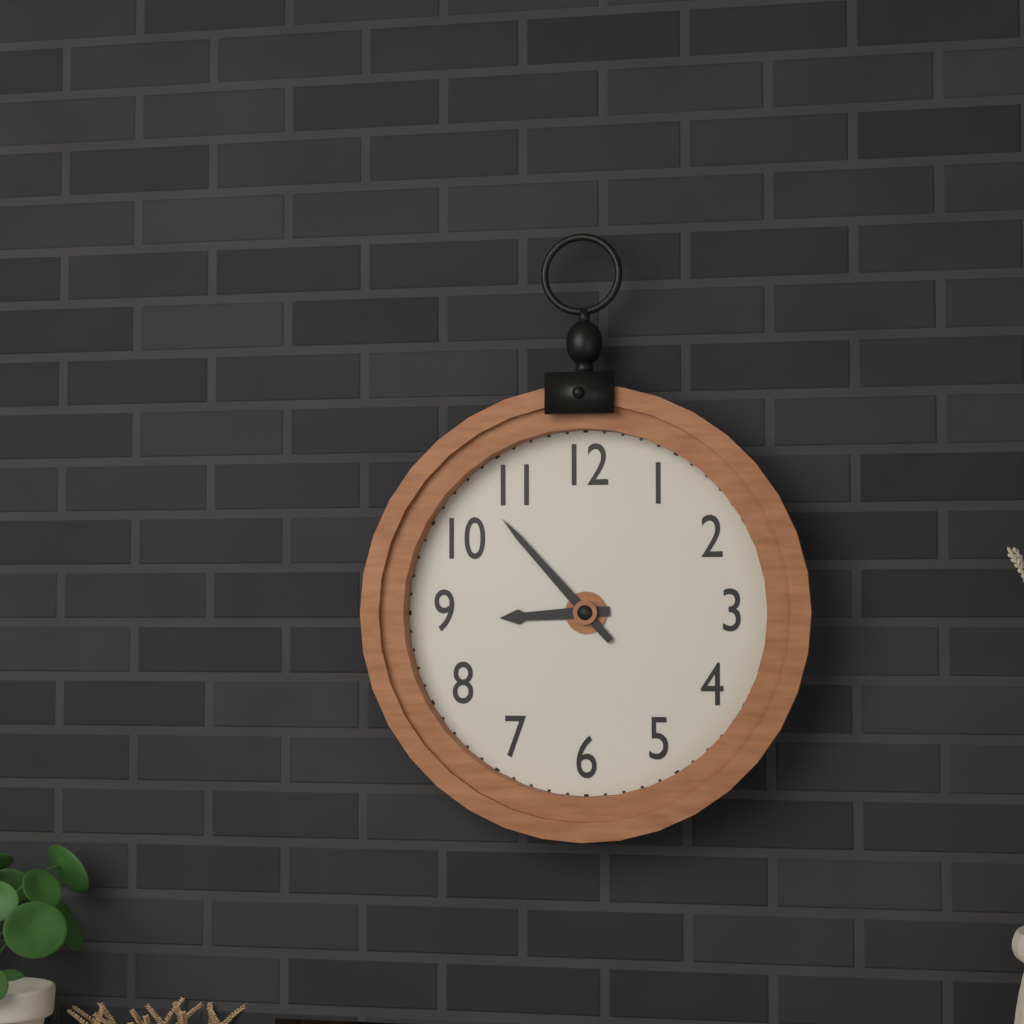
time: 8:53
